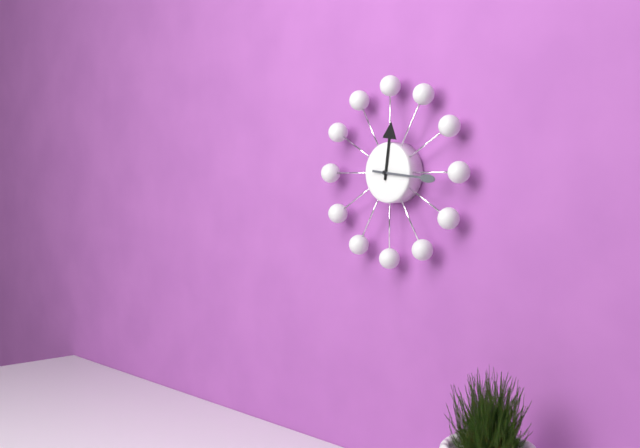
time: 12:16
